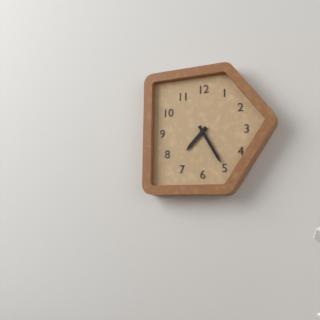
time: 7:25
